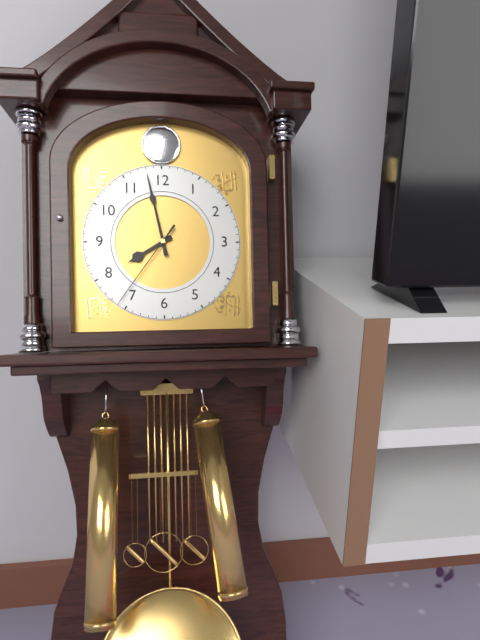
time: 7:58:36
